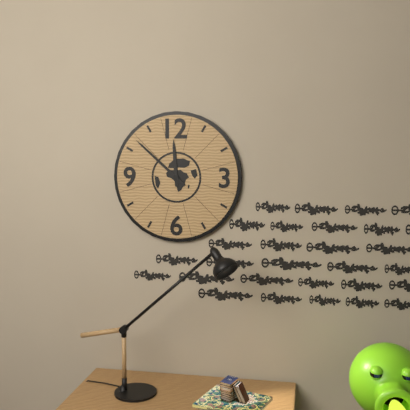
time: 11:52
